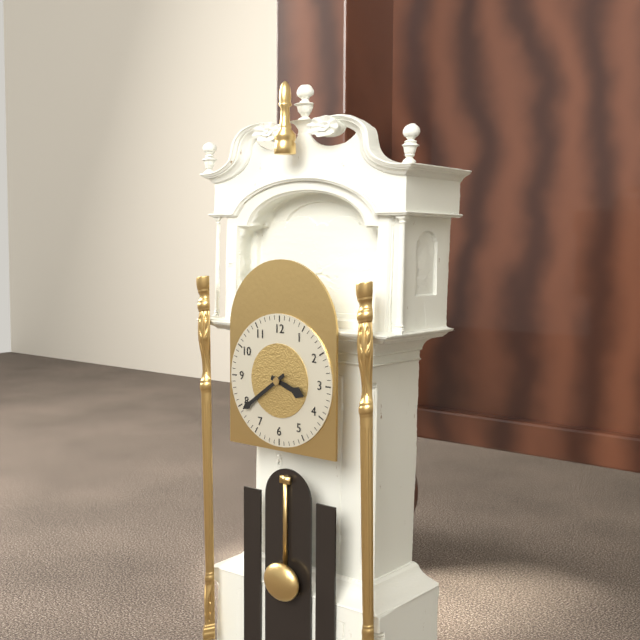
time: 3:39
